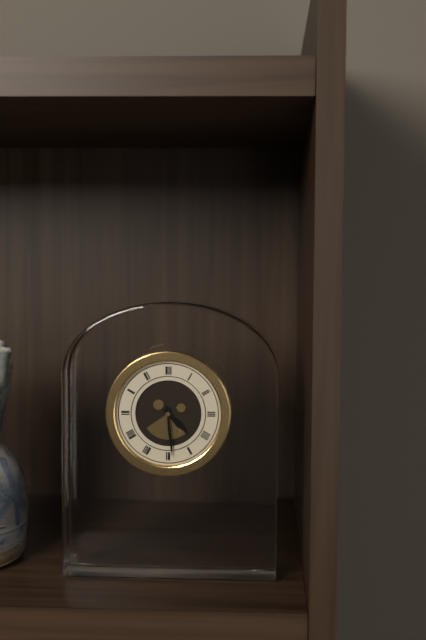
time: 4:29
